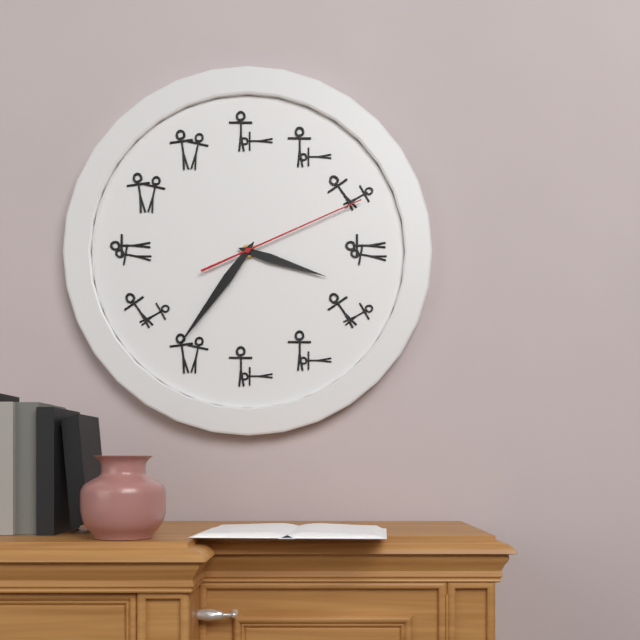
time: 3:36:11
